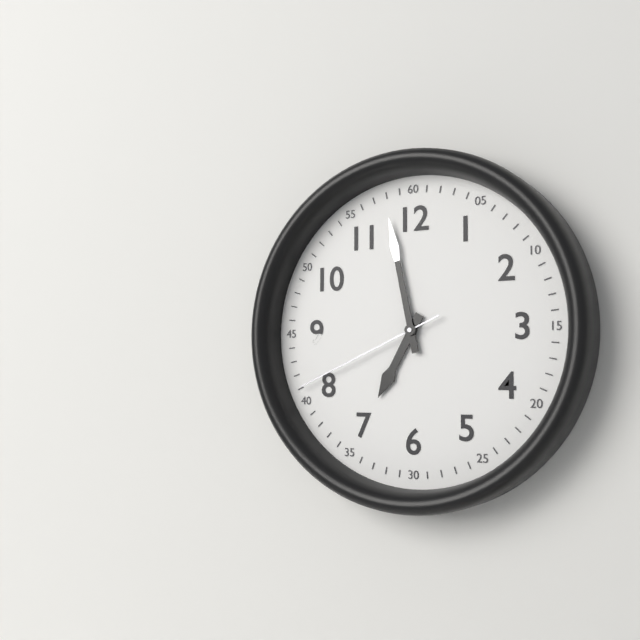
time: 6:58:41
